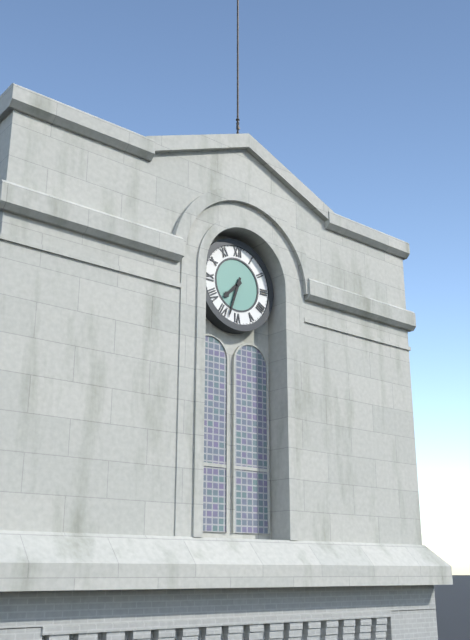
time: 7:33
